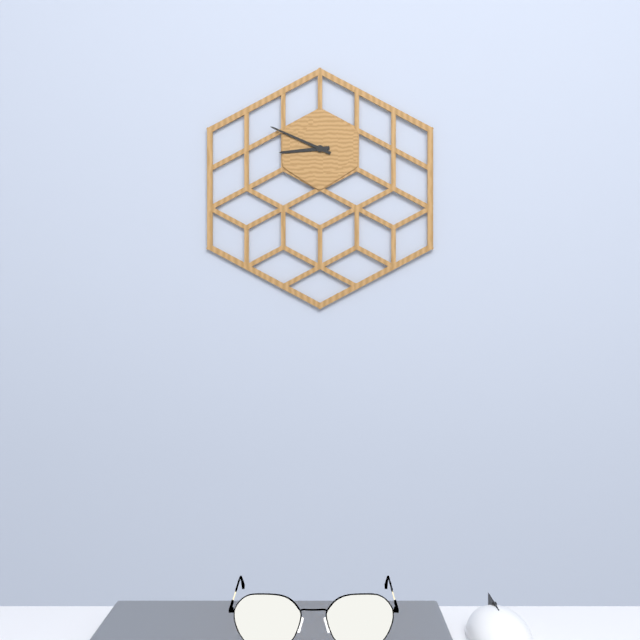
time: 8:49
